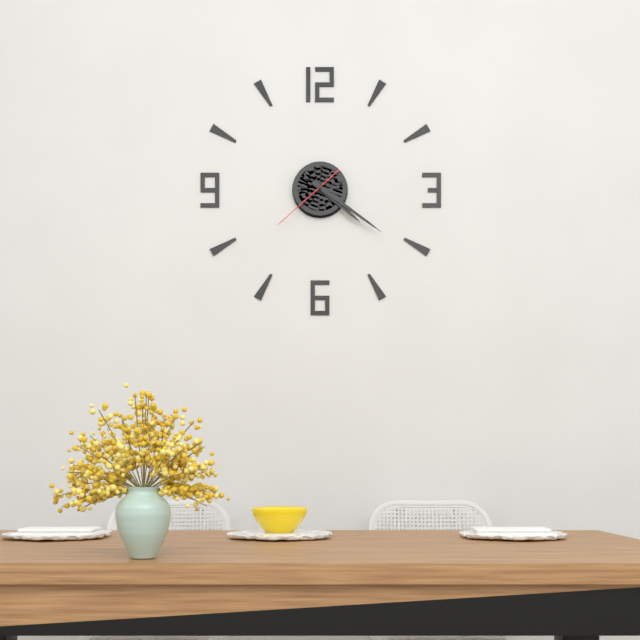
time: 4:21:38
